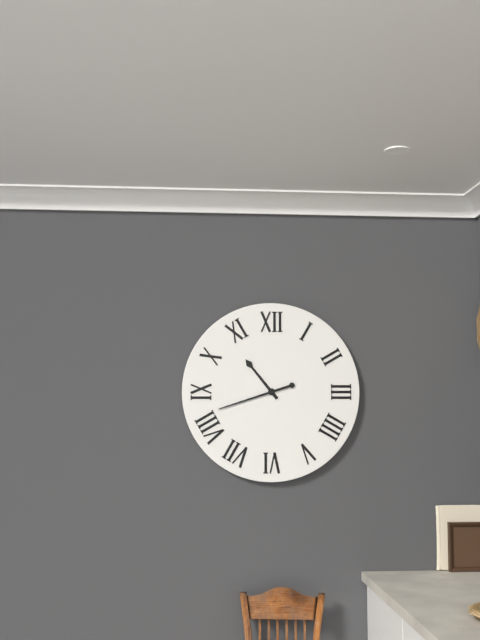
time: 10:42
